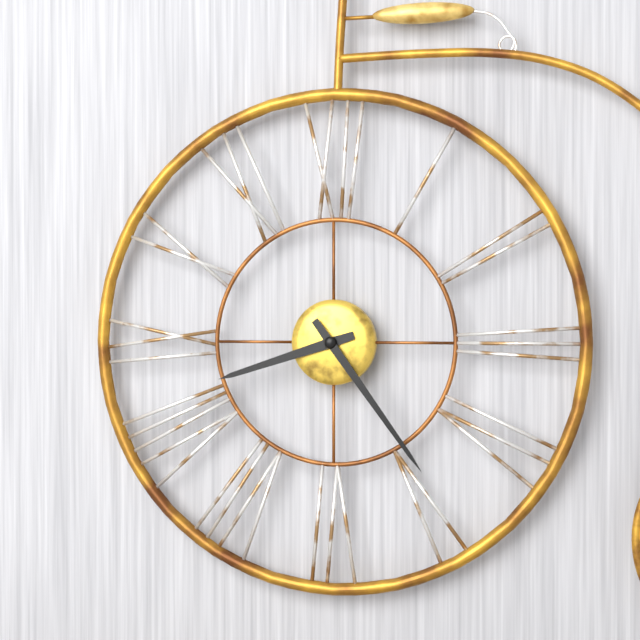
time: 8:24
